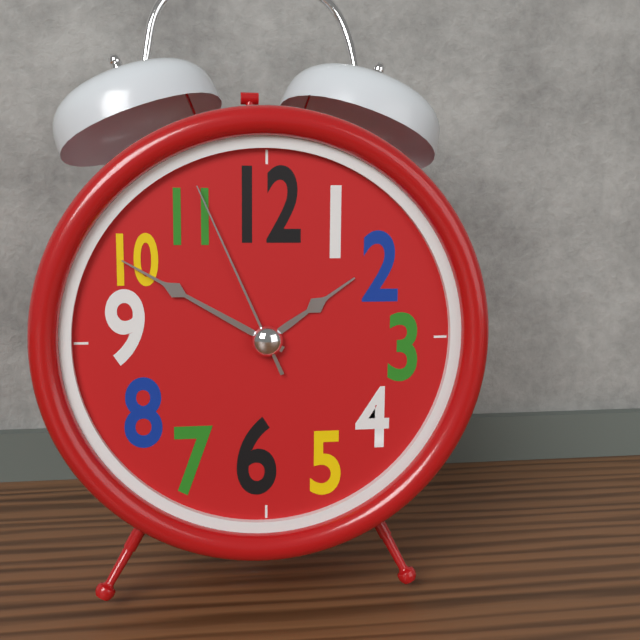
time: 1:50:56
